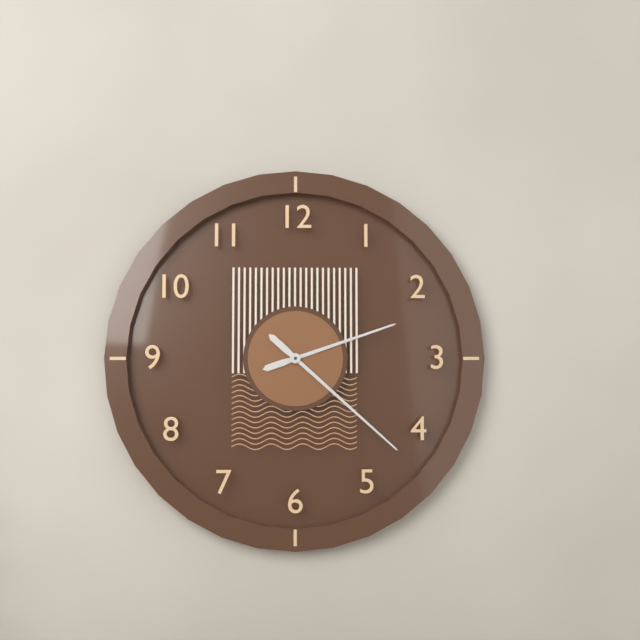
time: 2:22
